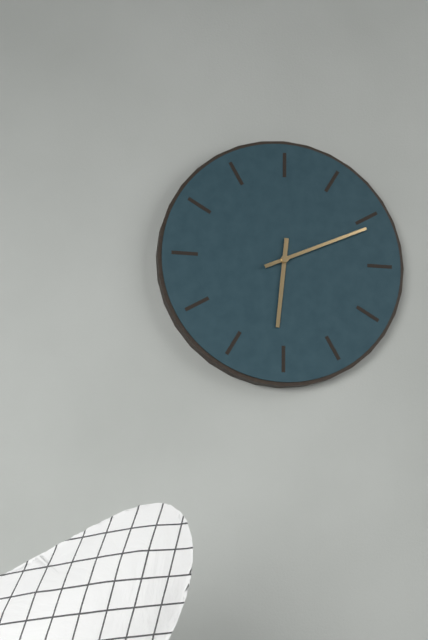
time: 6:11
